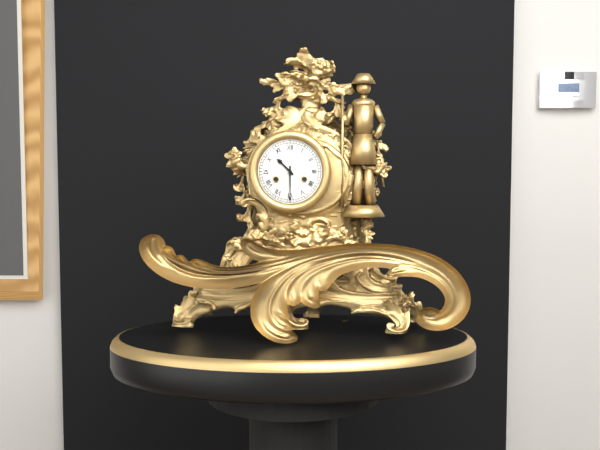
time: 10:30
